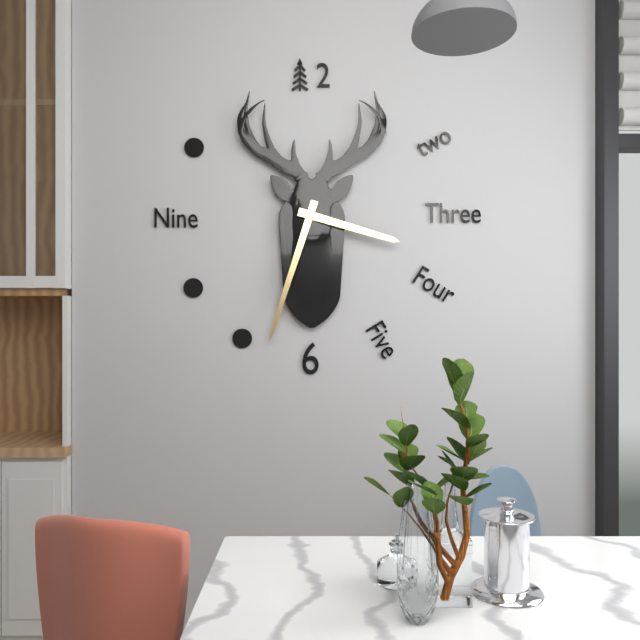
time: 3:33
